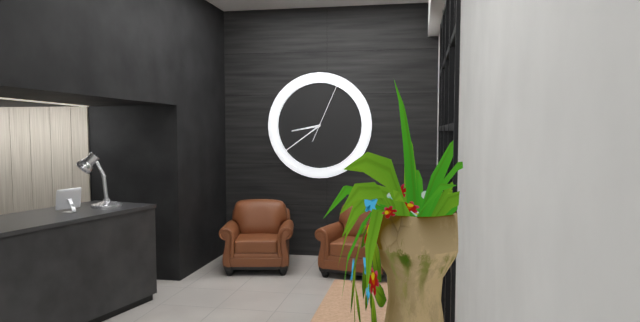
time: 8:39:04
